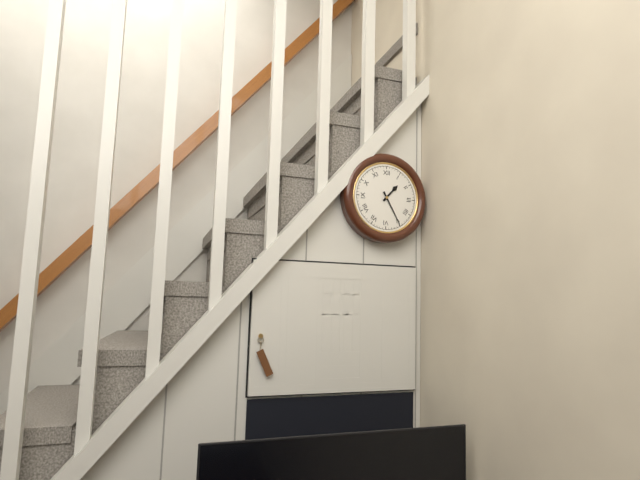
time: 1:25
